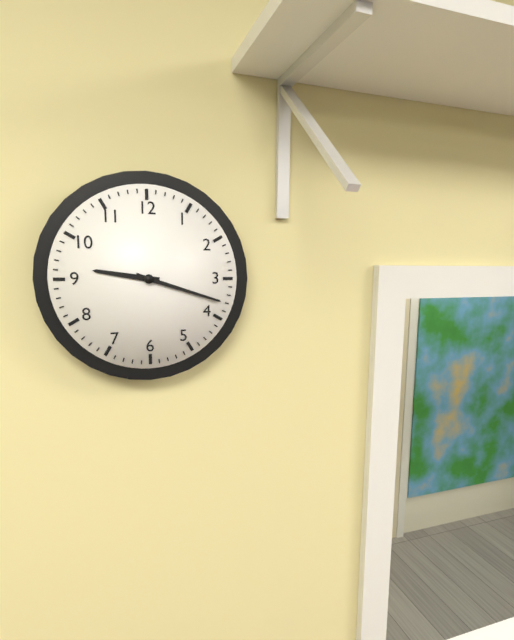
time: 9:18
